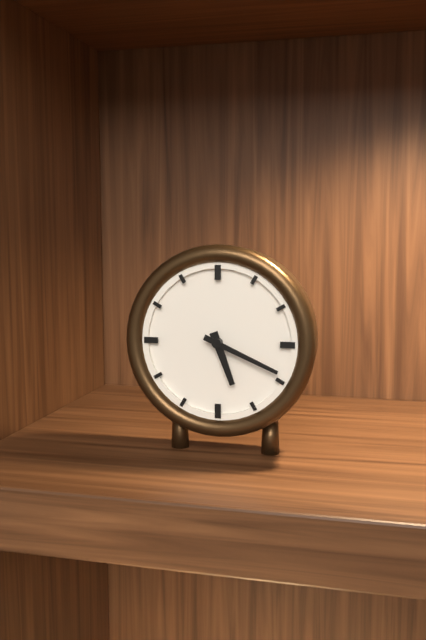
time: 5:19
